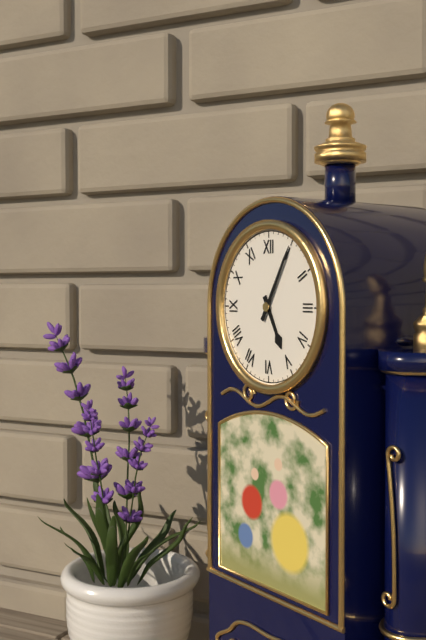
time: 5:05
